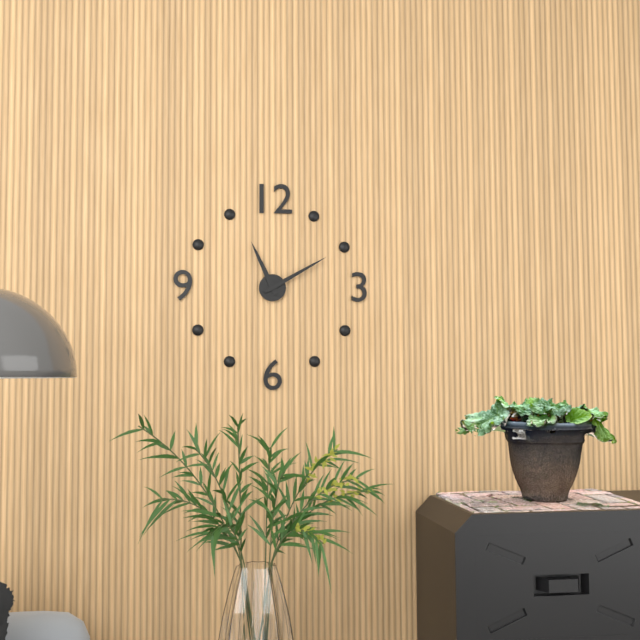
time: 11:10
